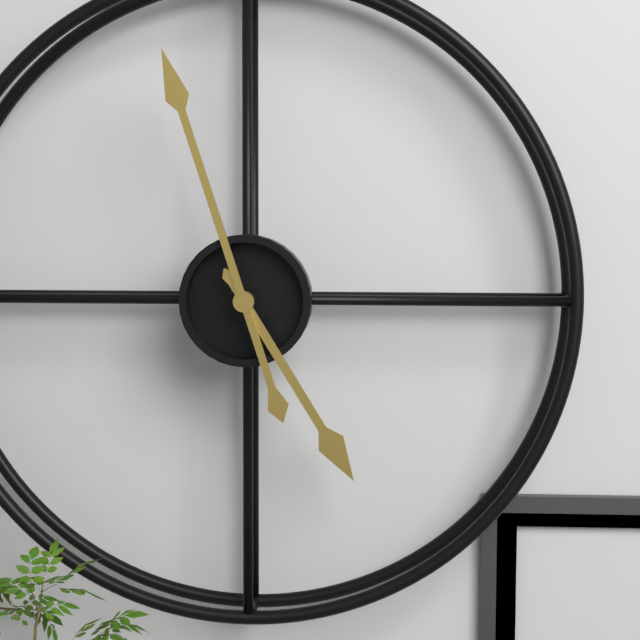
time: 4:57
